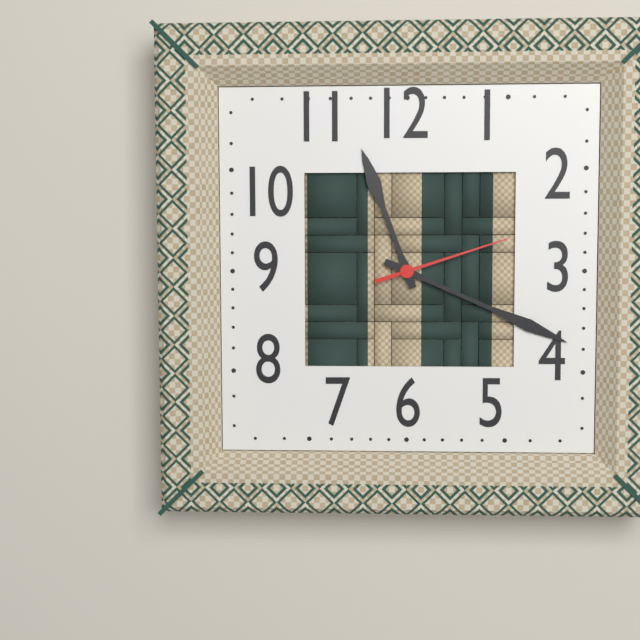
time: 11:19:12
